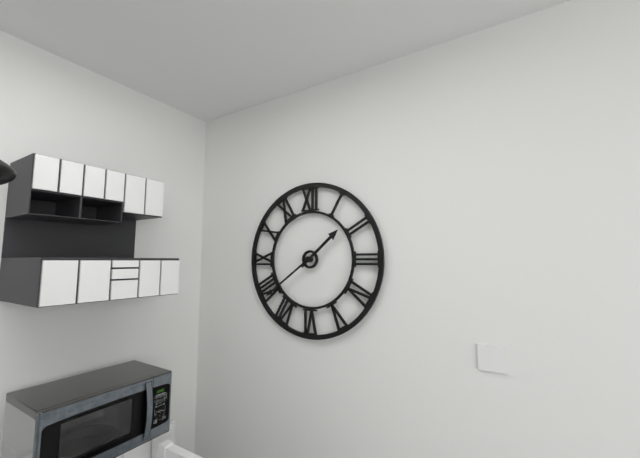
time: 1:39
